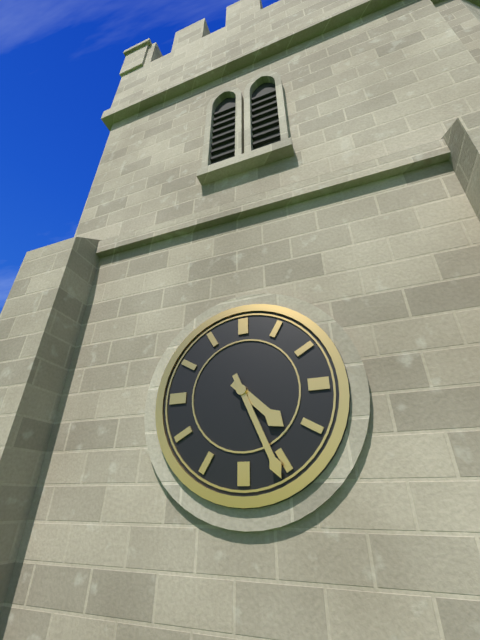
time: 4:26
